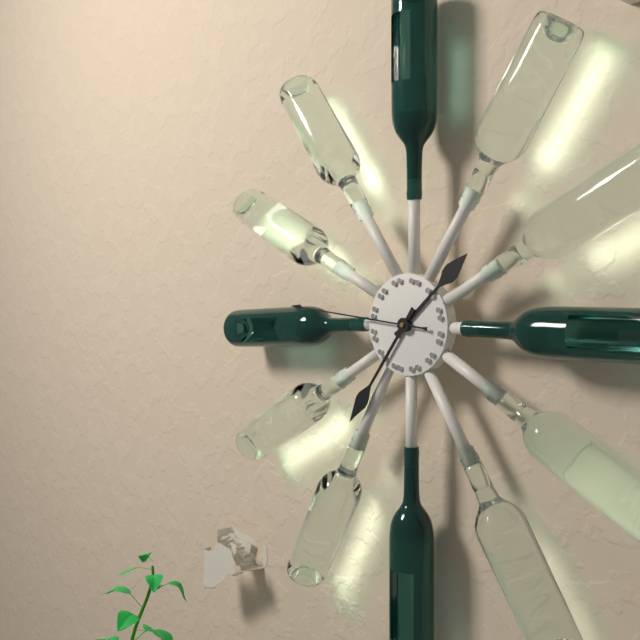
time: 1:36:46
